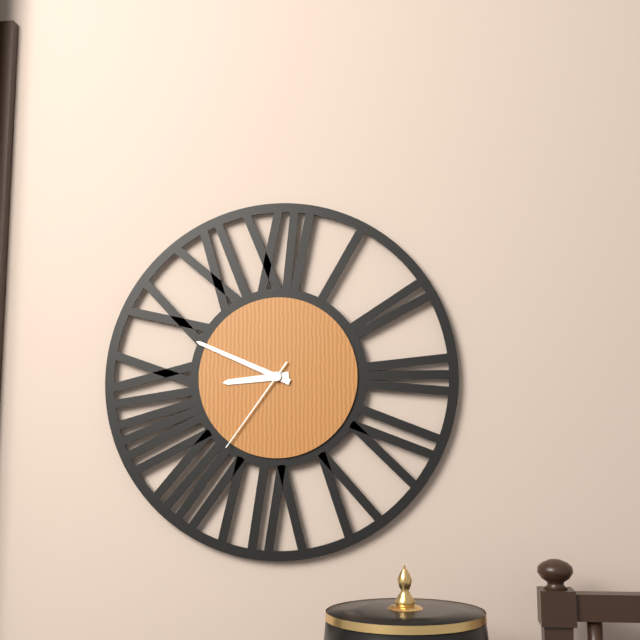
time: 8:49:36
